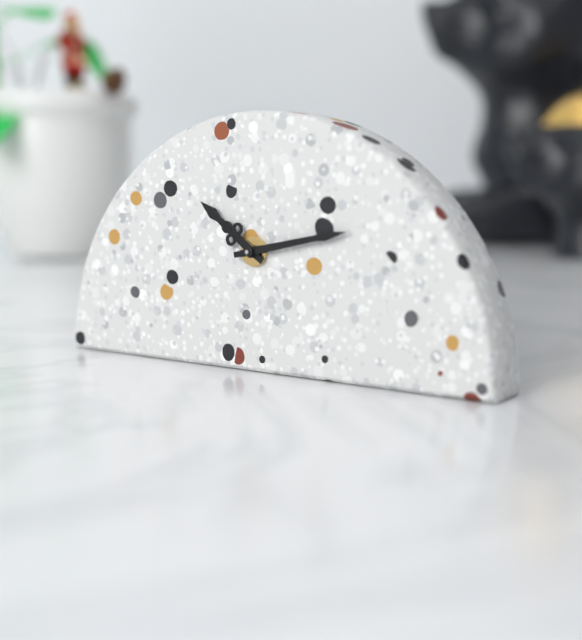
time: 10:13
